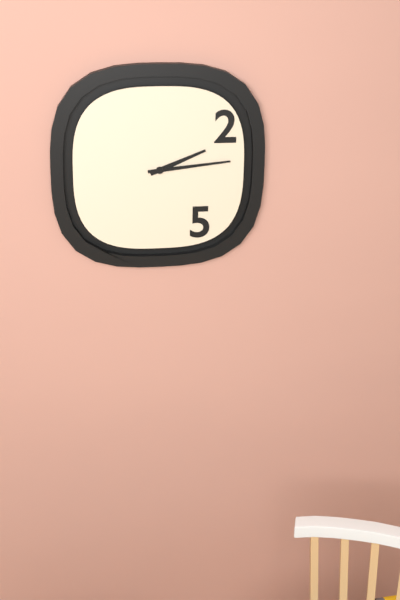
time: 2:14
